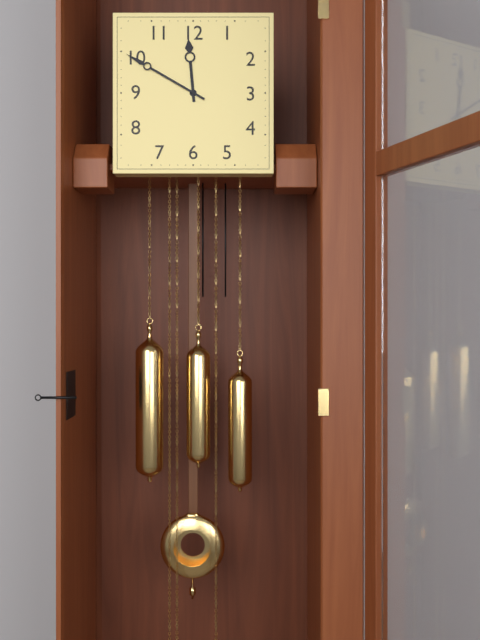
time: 11:50
